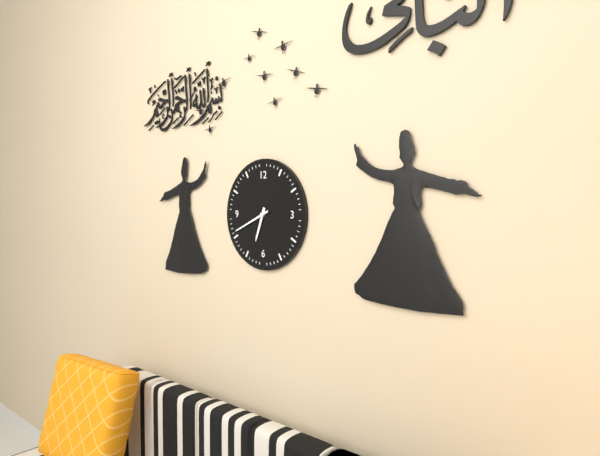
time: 6:41
